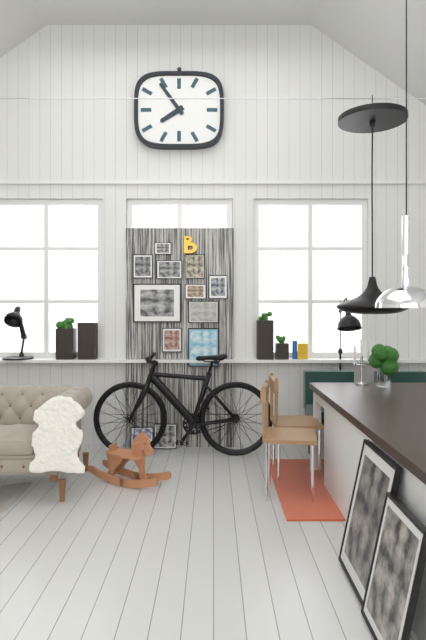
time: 7:54
